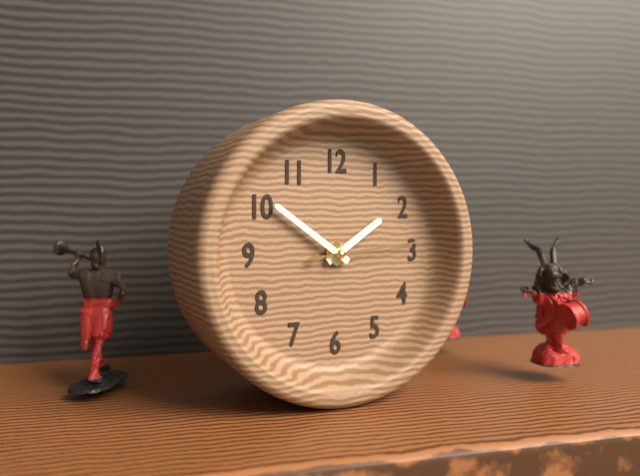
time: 1:51:14
